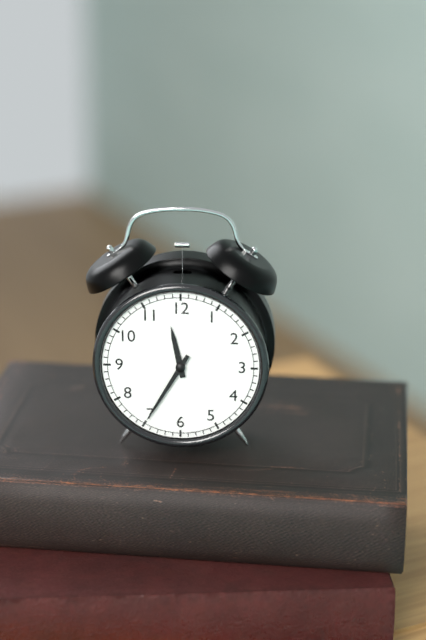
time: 11:35
